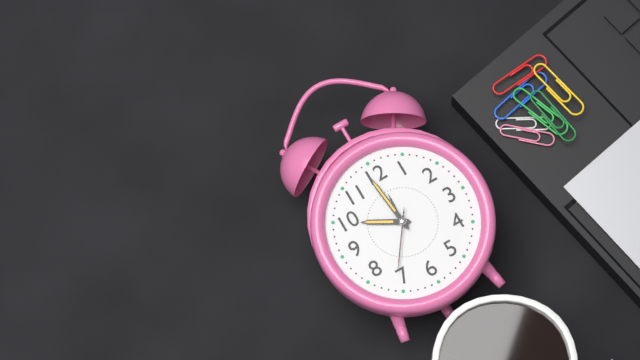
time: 9:59:36
